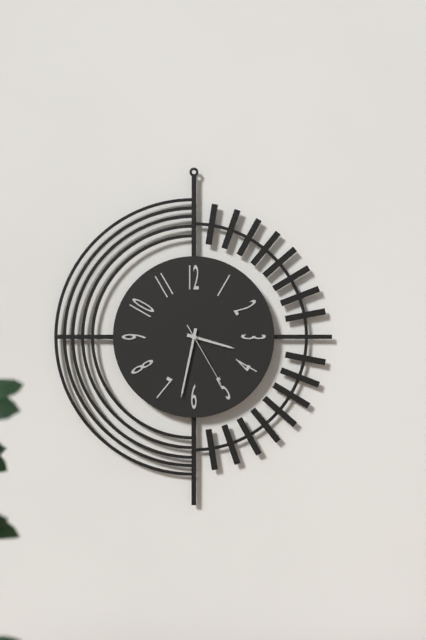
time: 3:32:25
